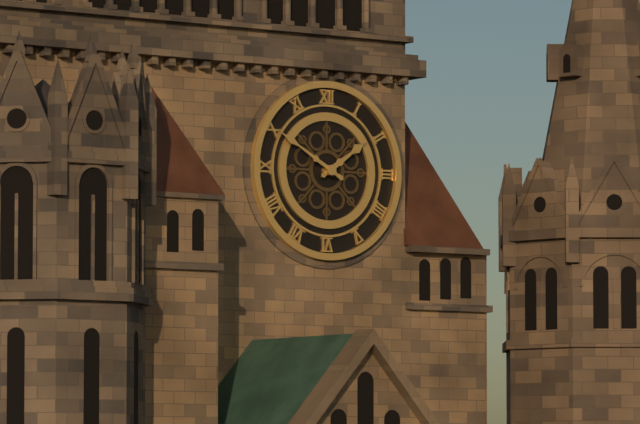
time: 1:50
